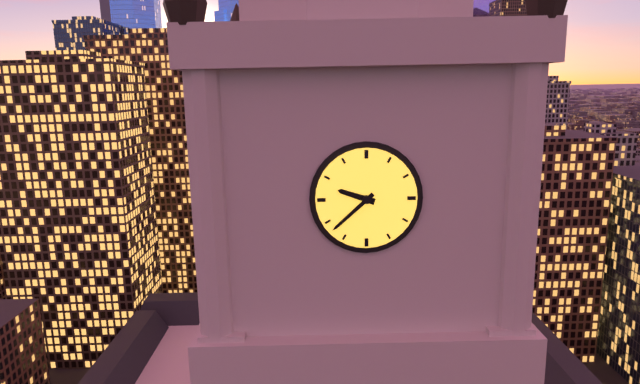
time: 9:38
